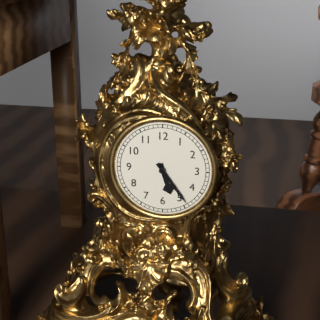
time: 5:24
